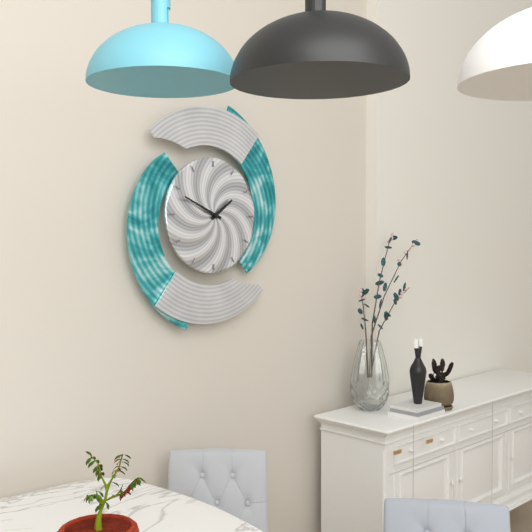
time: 1:49
